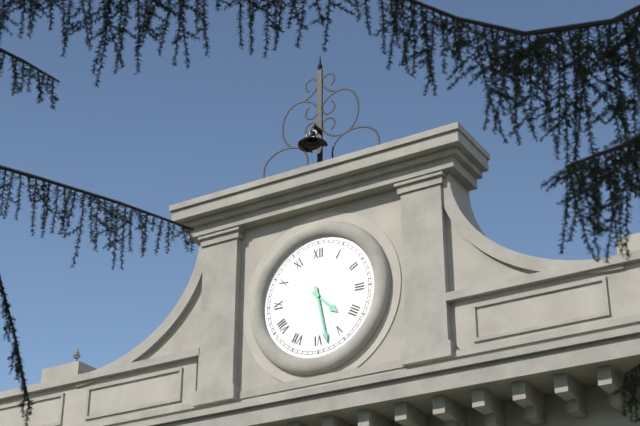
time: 4:28
